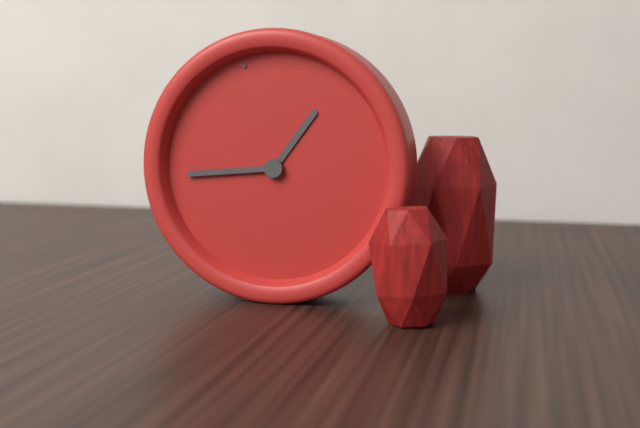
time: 1:47
